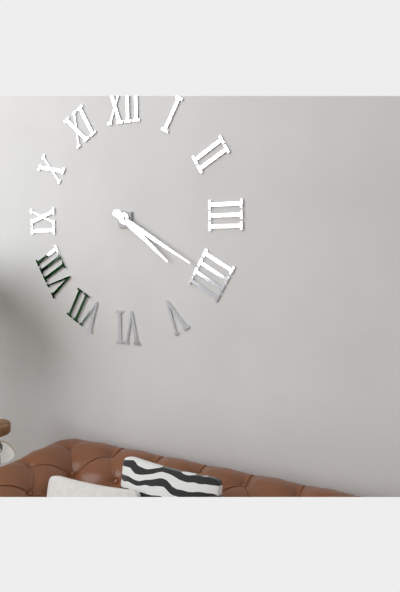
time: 4:20
